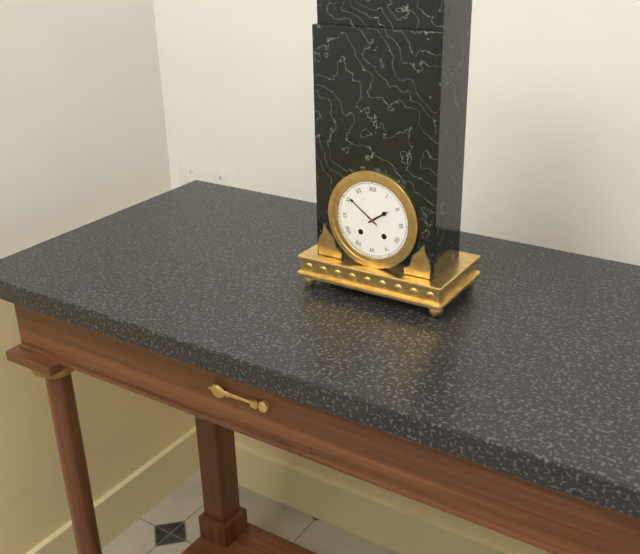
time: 1:51
